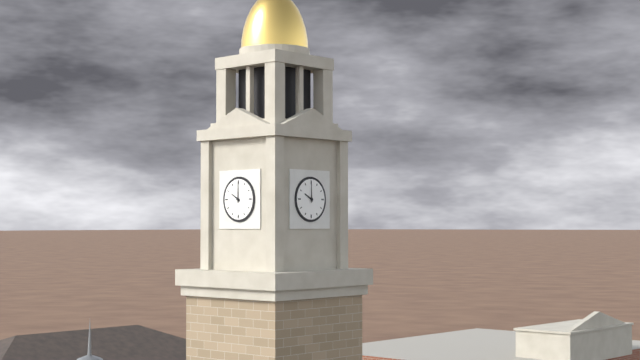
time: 10:00
